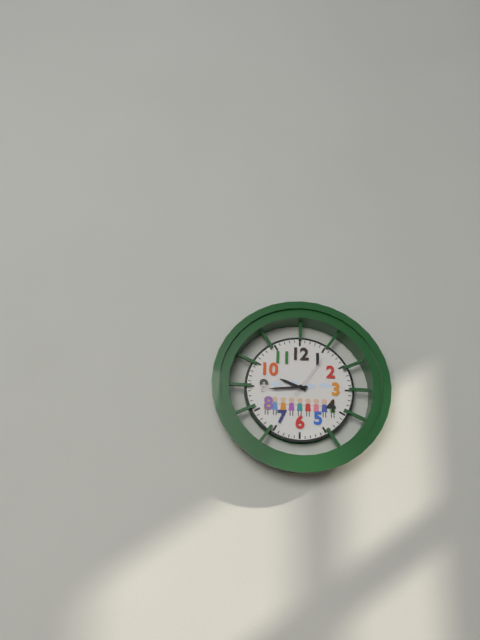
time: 9:44
